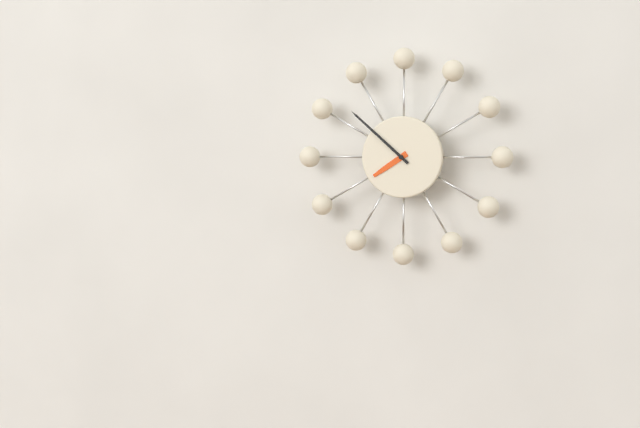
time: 7:52
